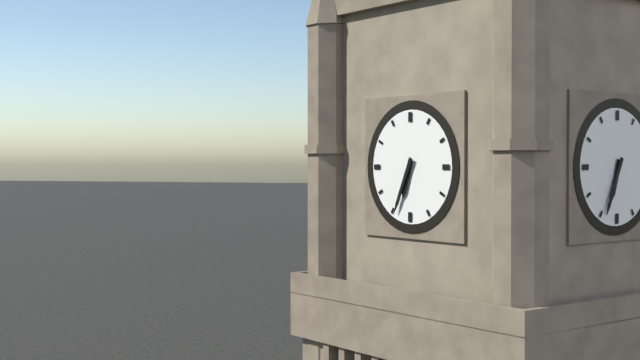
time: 6:34
